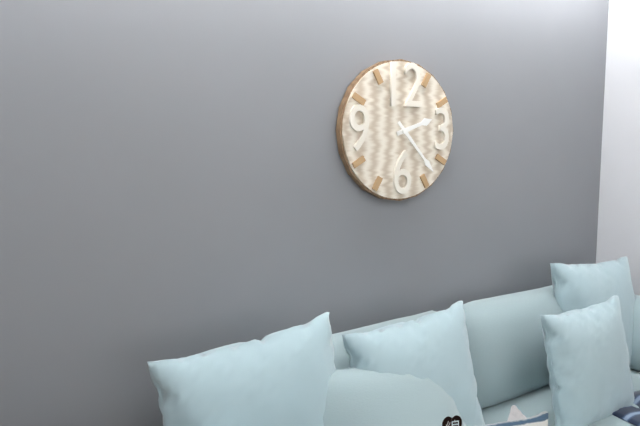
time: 2:23
